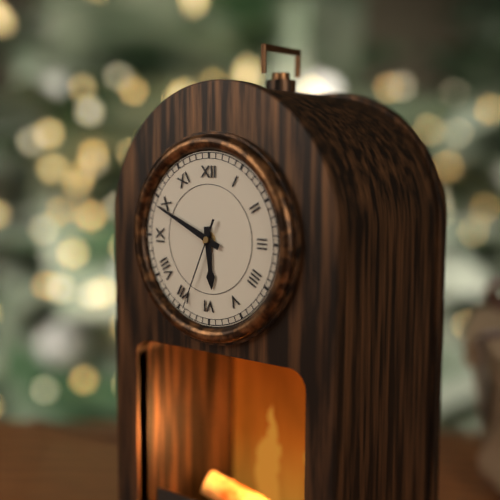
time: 5:49:34
